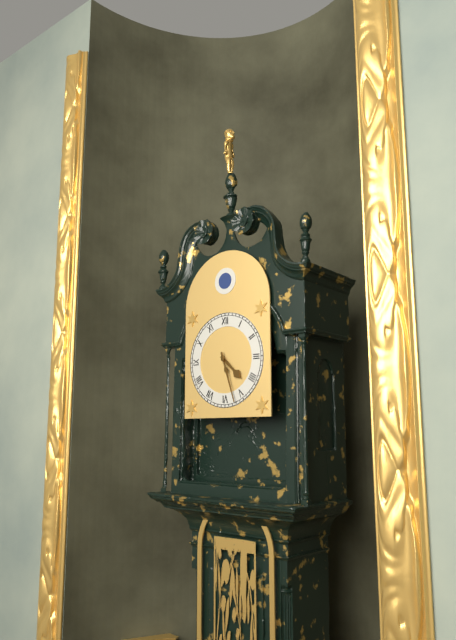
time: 4:27
